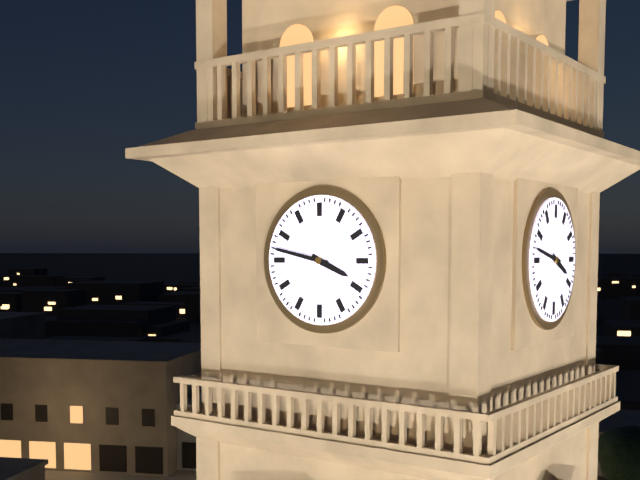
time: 3:47
